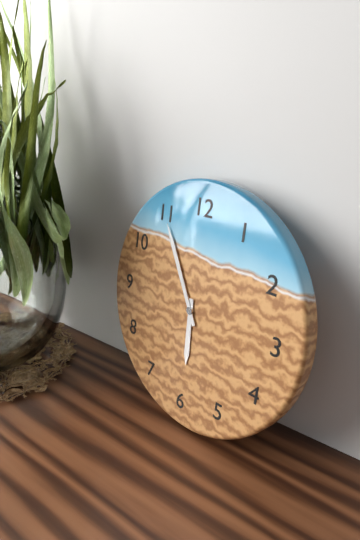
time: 5:55
